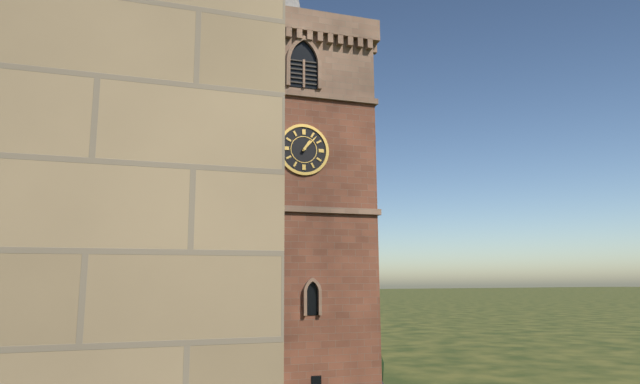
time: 1:07
